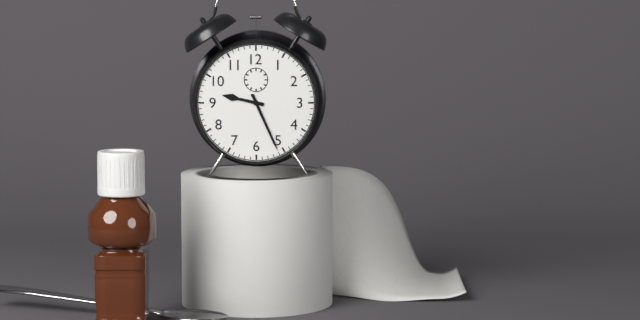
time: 9:26
